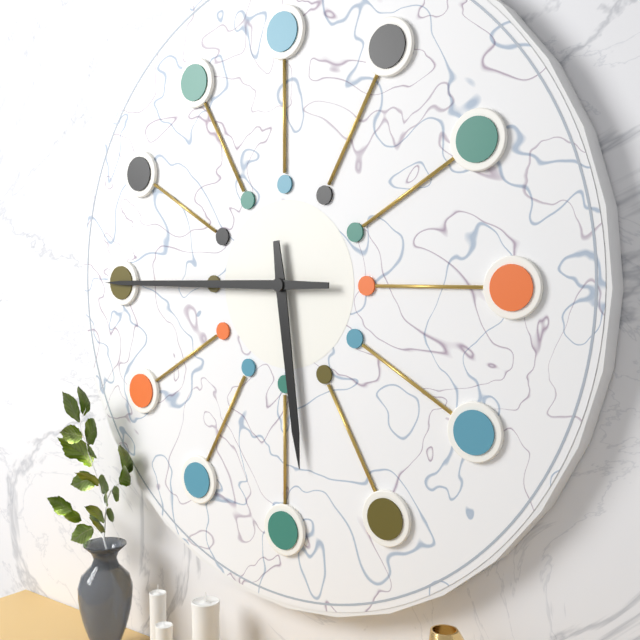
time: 5:45
